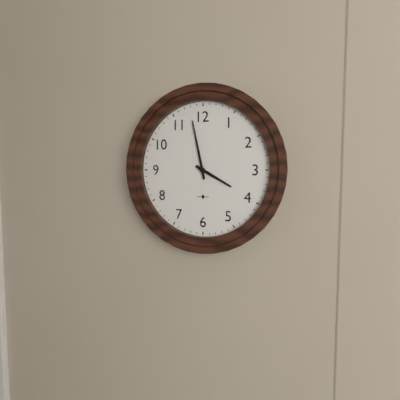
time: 3:58
